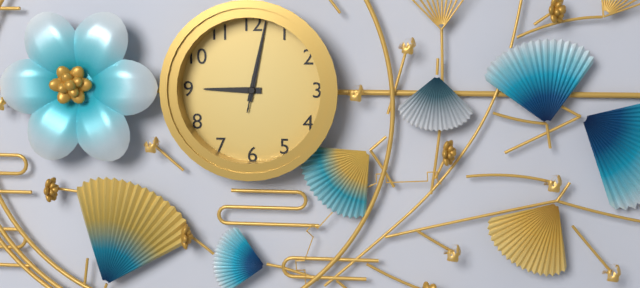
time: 9:02:02
